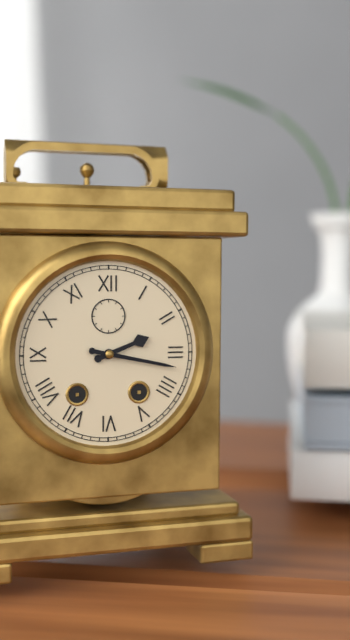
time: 2:17
